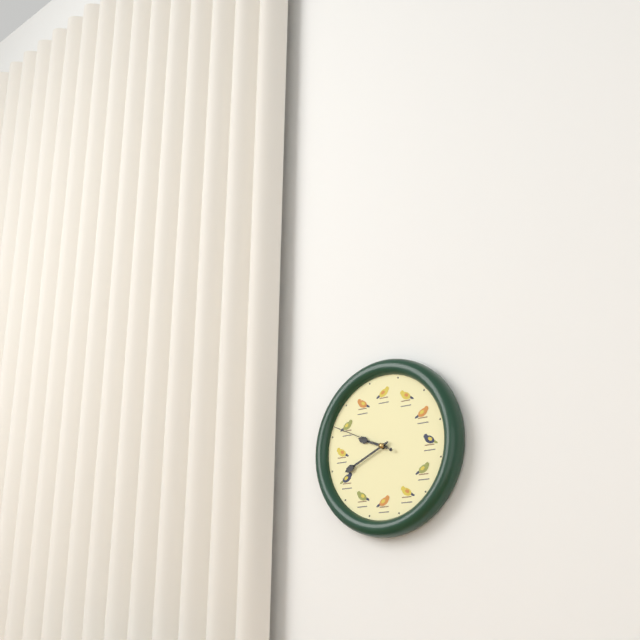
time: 9:41:49
